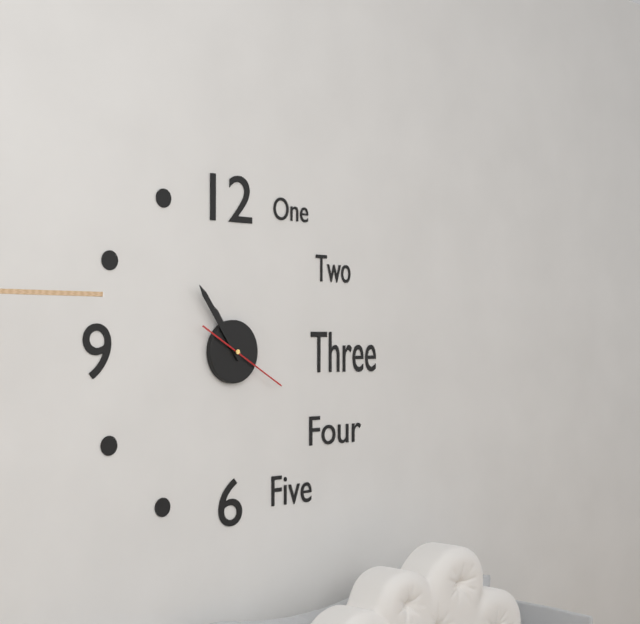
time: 10:54:20
